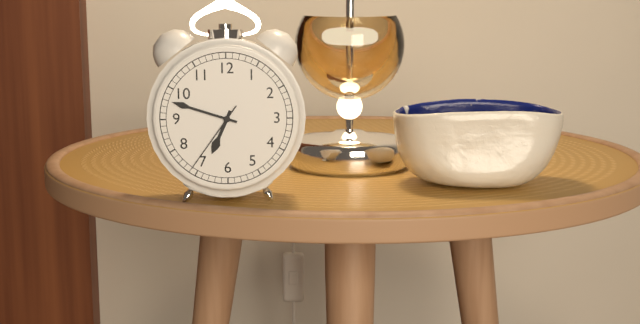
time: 6:48:36
